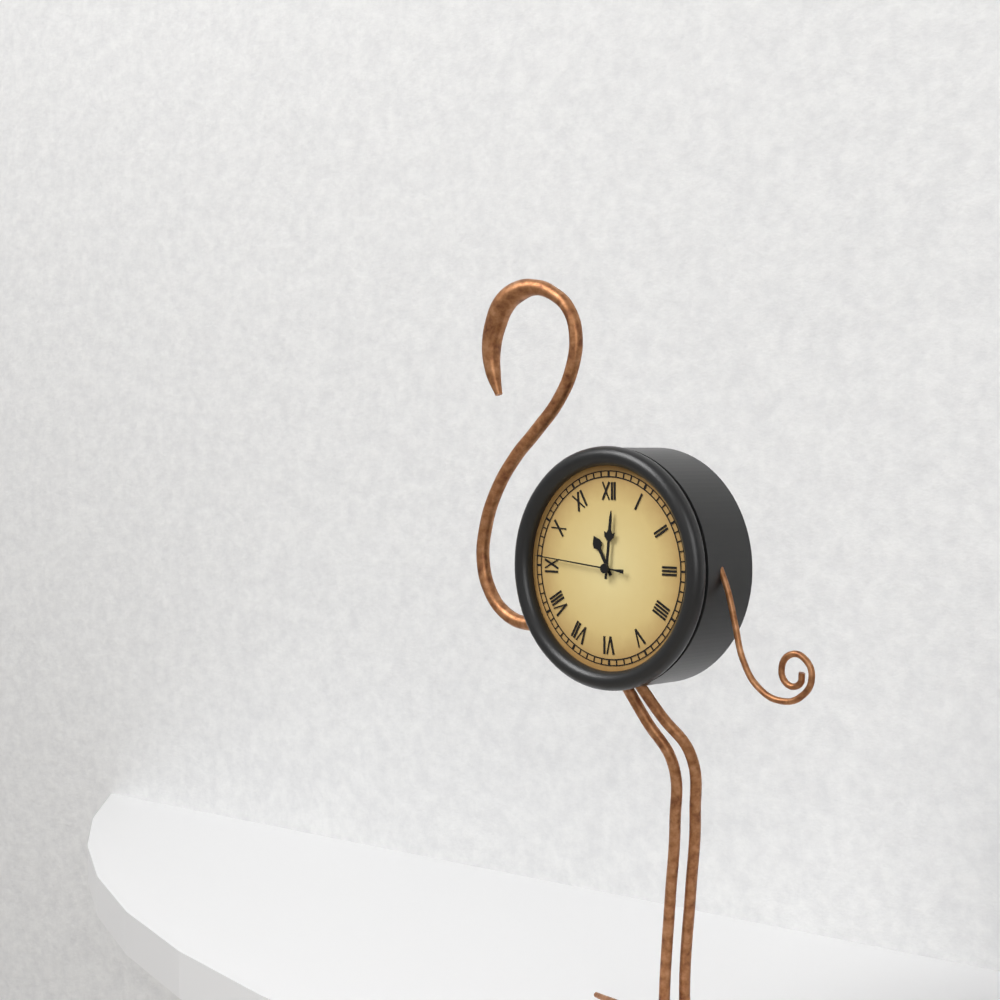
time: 11:01:46
